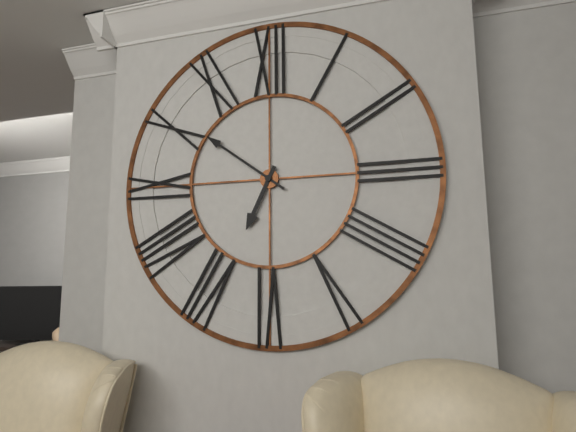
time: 6:51
